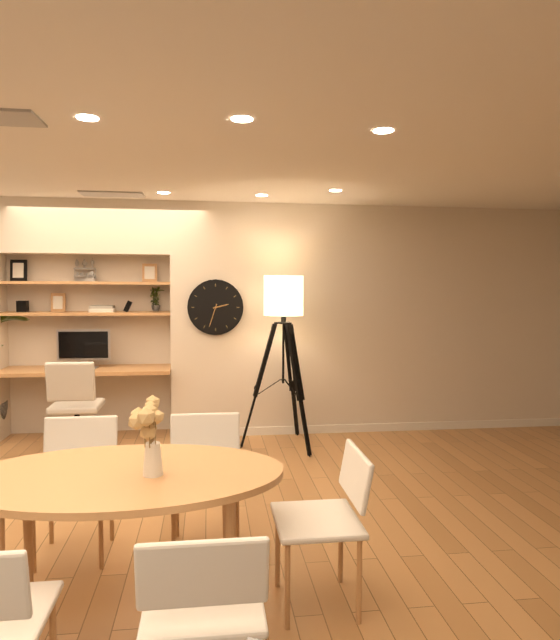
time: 2:33
